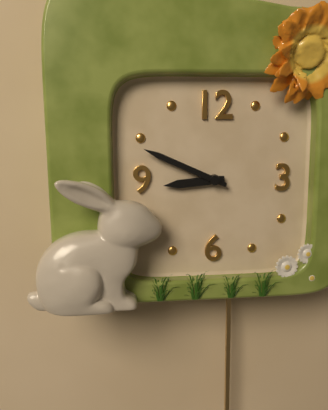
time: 8:49
